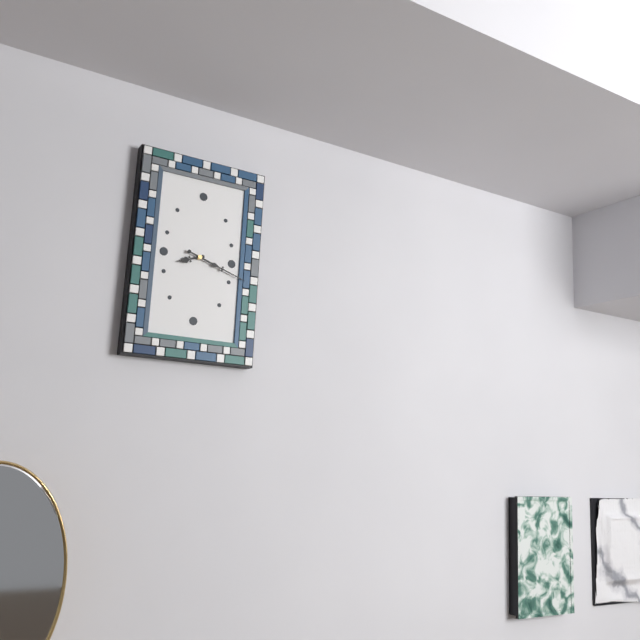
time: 8:18
